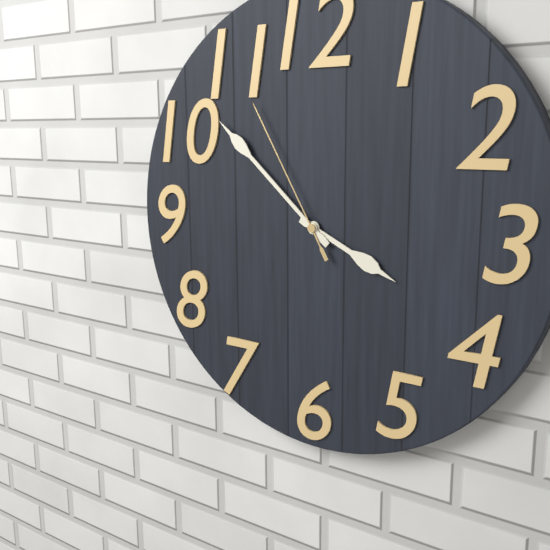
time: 3:52:55
